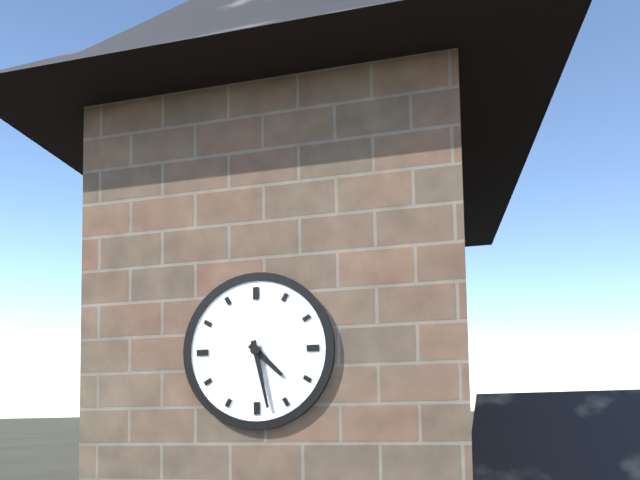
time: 4:28
